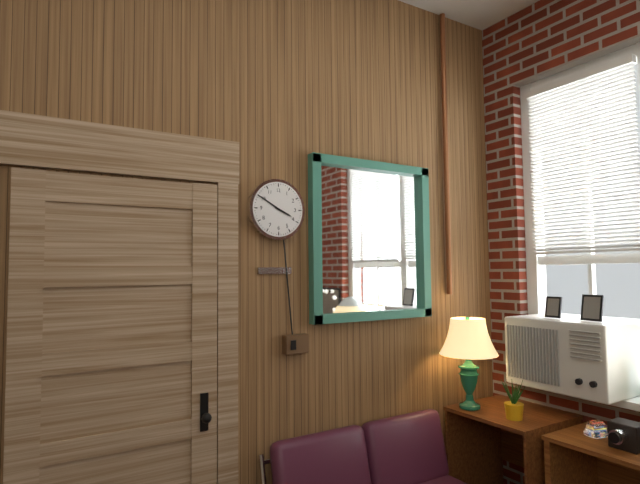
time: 3:50
